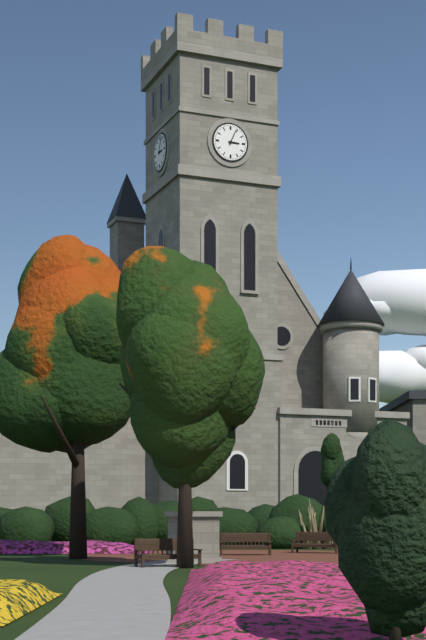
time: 3:04
